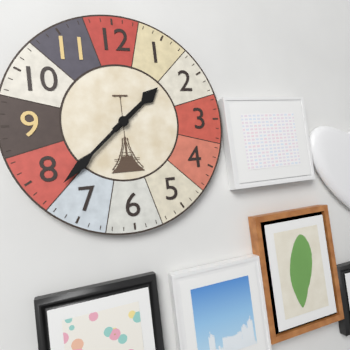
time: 1:38
